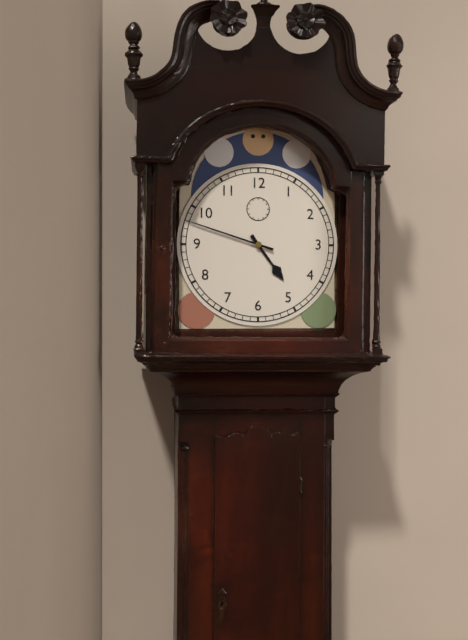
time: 4:48
